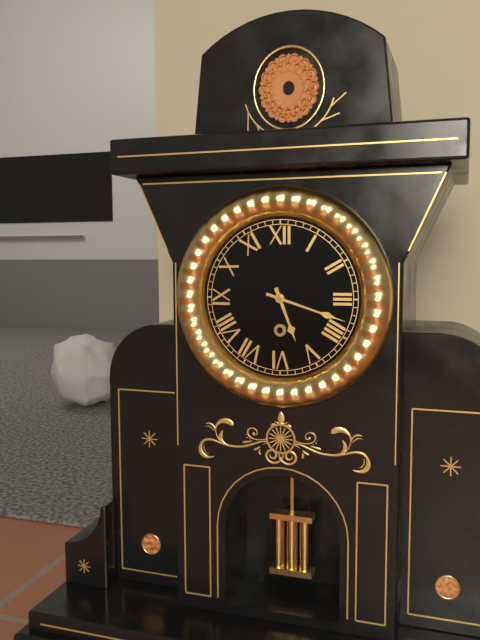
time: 5:18
